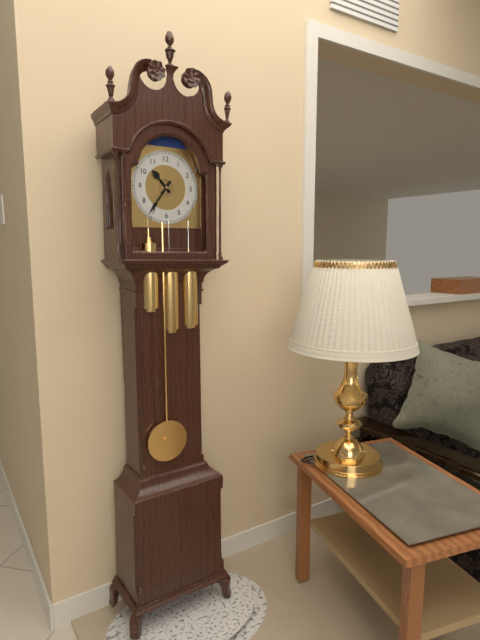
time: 10:36
